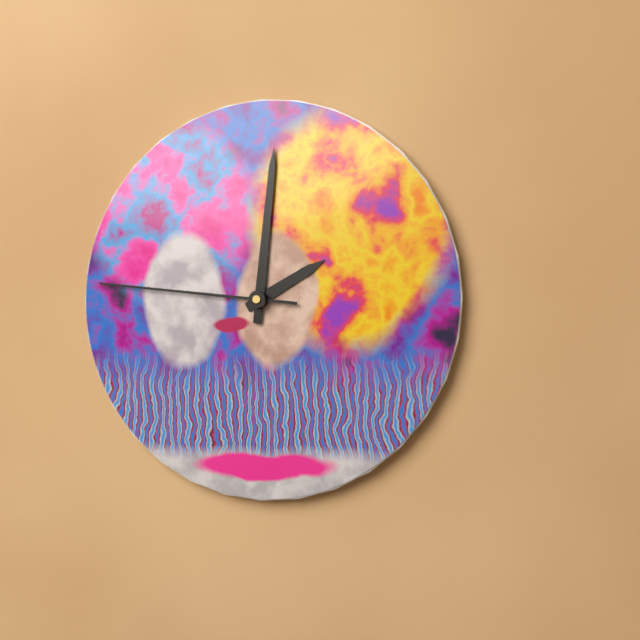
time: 2:01:46
